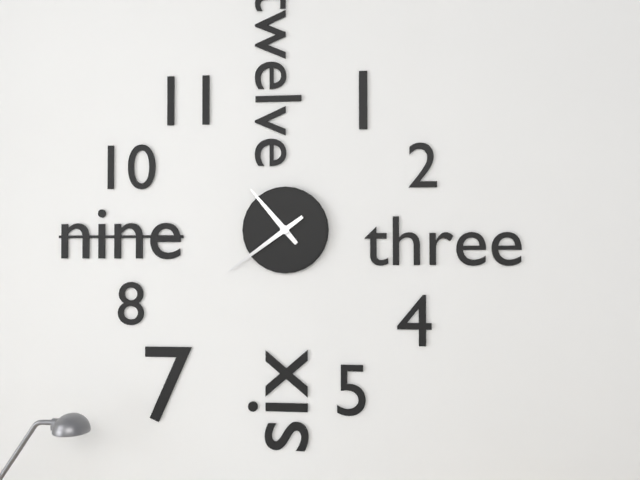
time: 10:39
